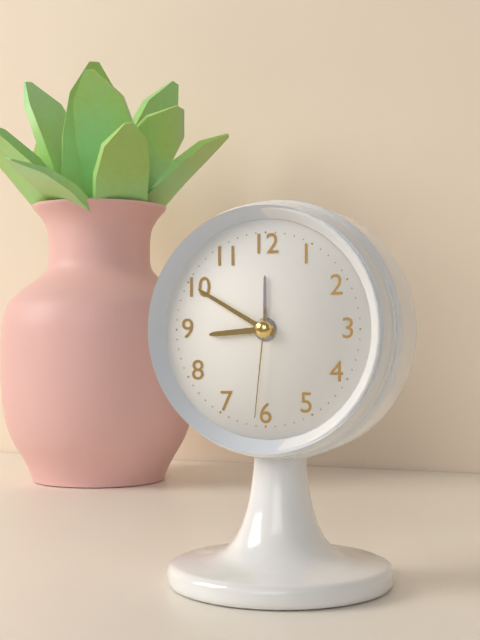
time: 8:50:31
